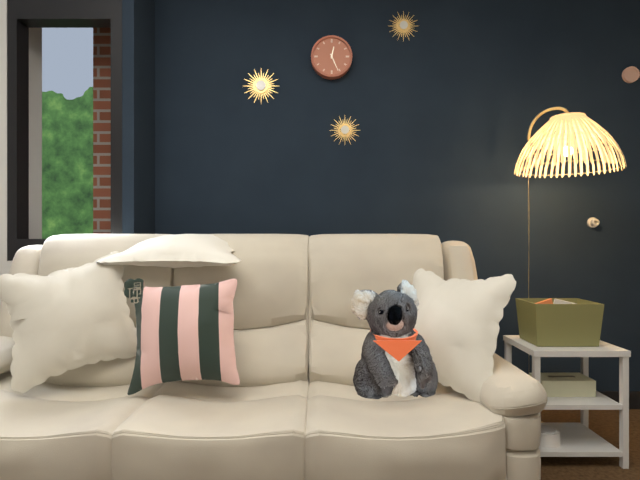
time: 12:26
